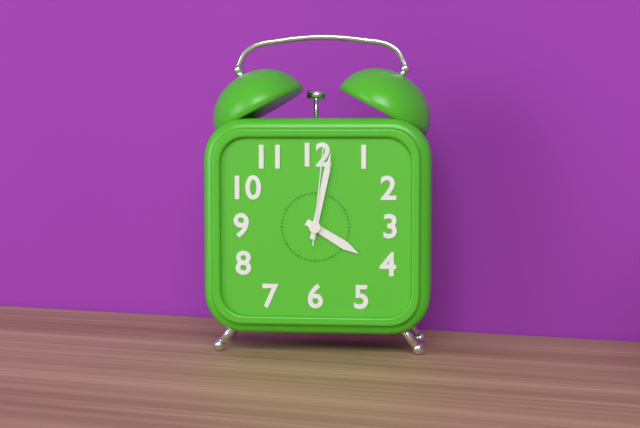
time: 4:02:01
